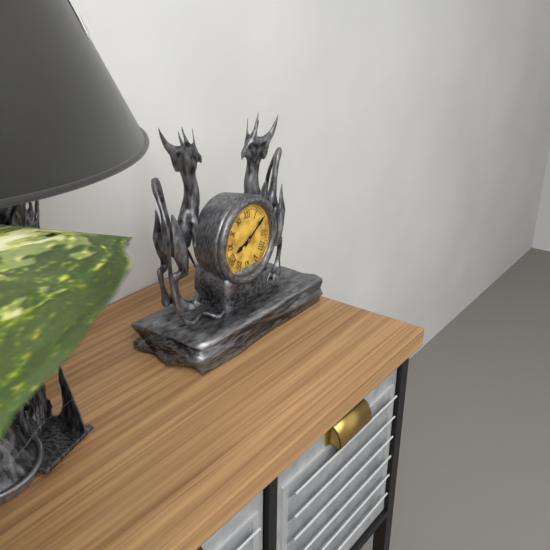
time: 8:09
